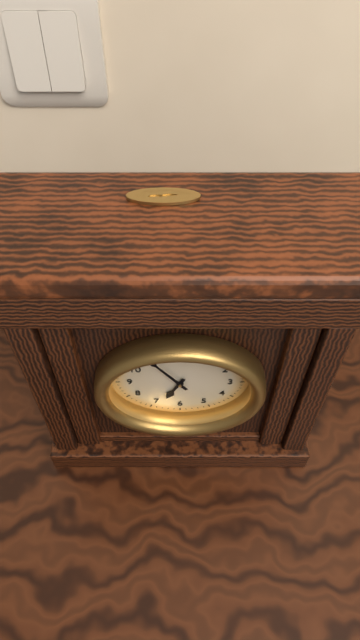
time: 6:54
